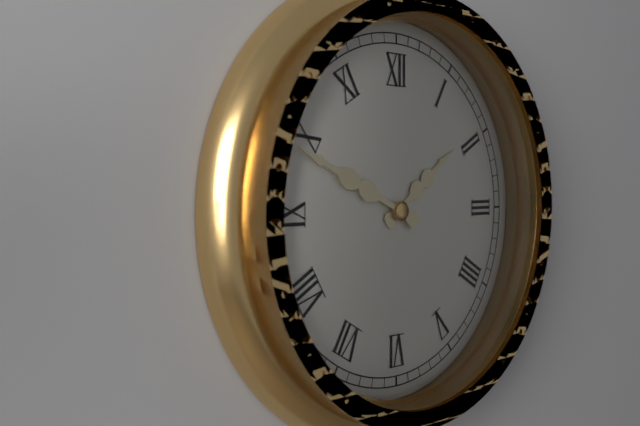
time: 1:49
